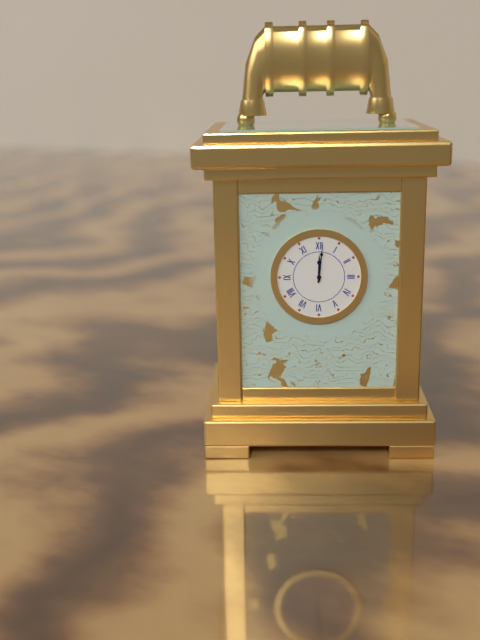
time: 12:01
